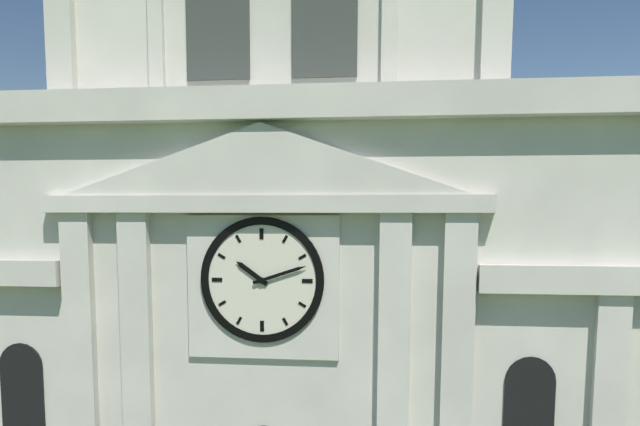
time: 10:12
